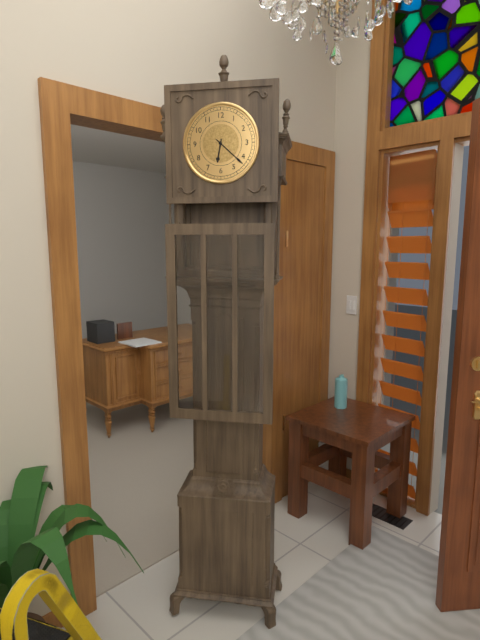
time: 6:22
